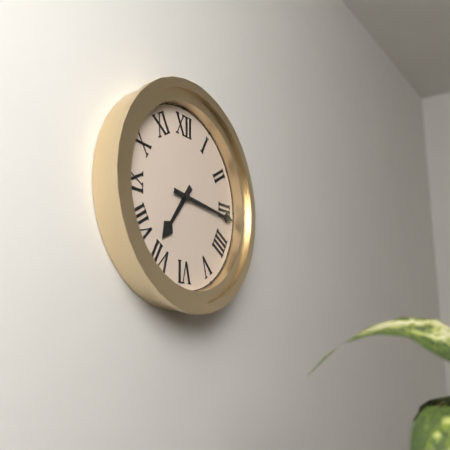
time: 7:16
